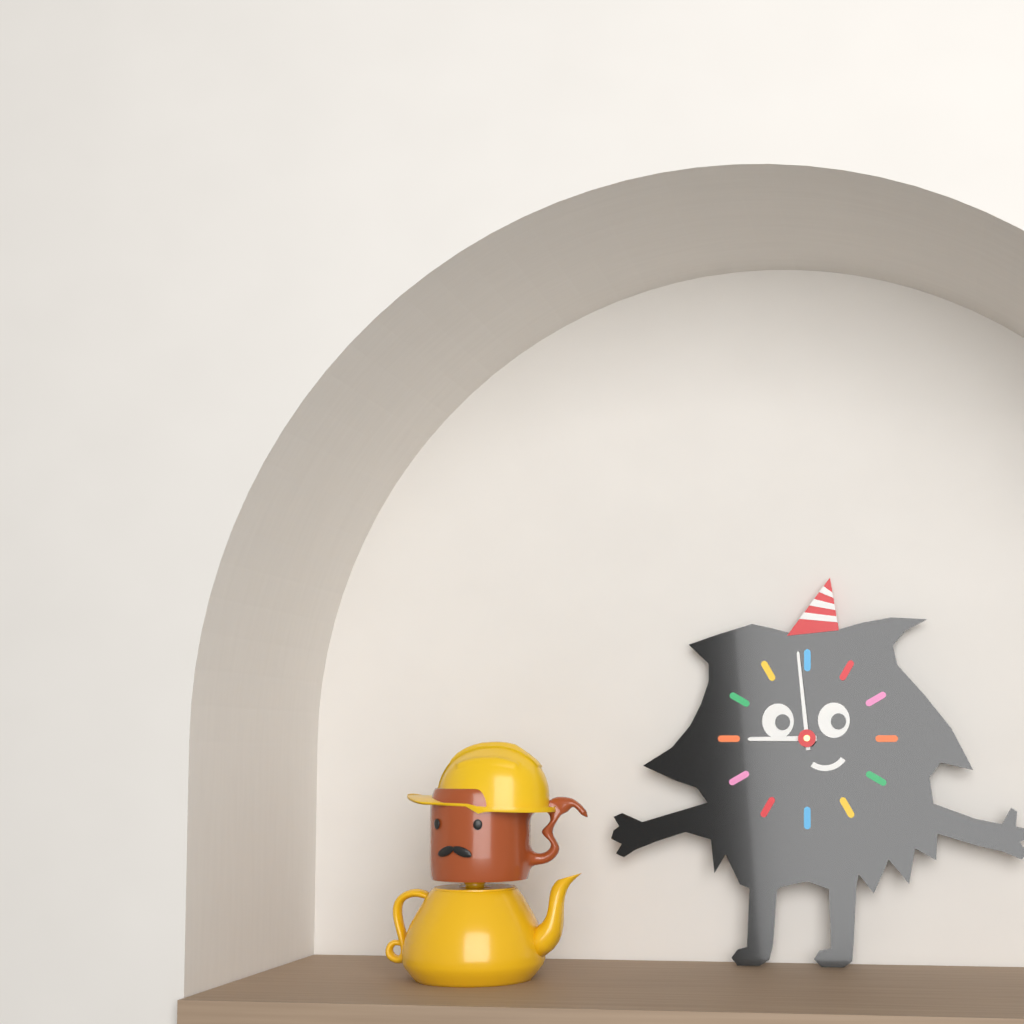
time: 8:59
